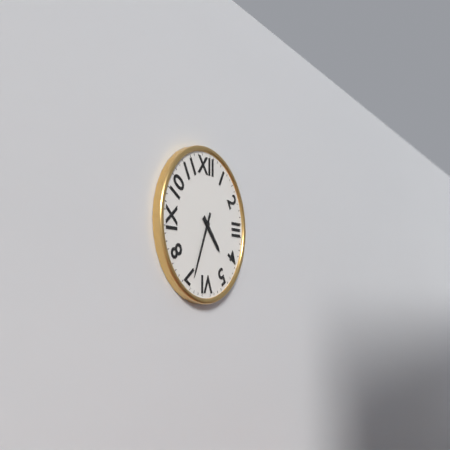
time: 4:34
